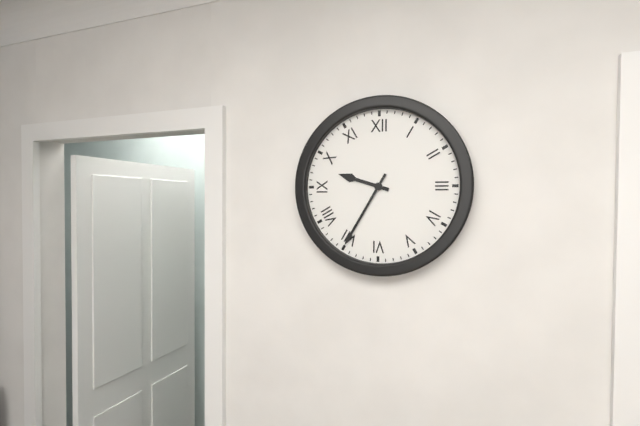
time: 9:35
